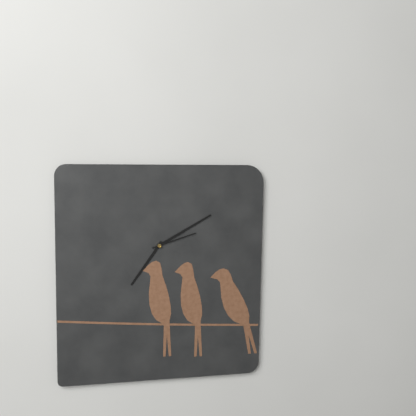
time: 7:10
